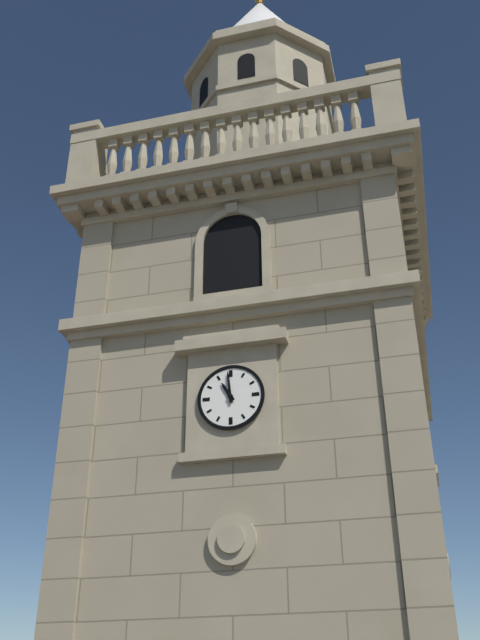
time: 10:59
